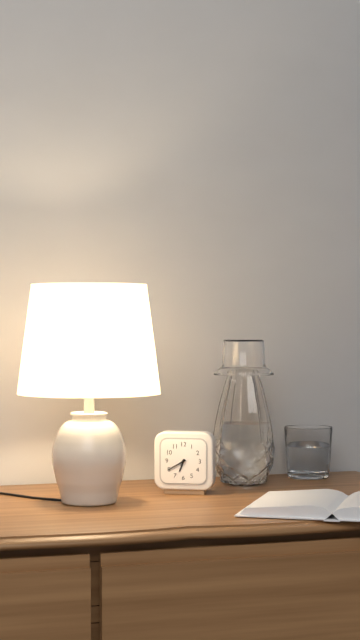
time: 6:40
